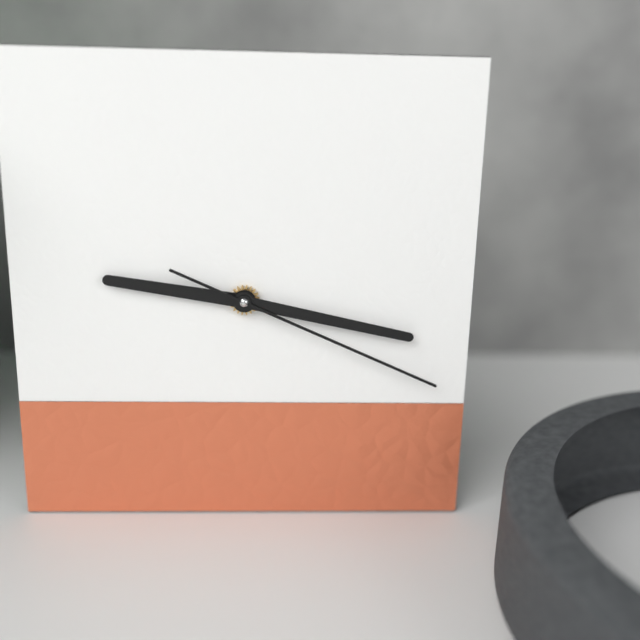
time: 9:17:19
